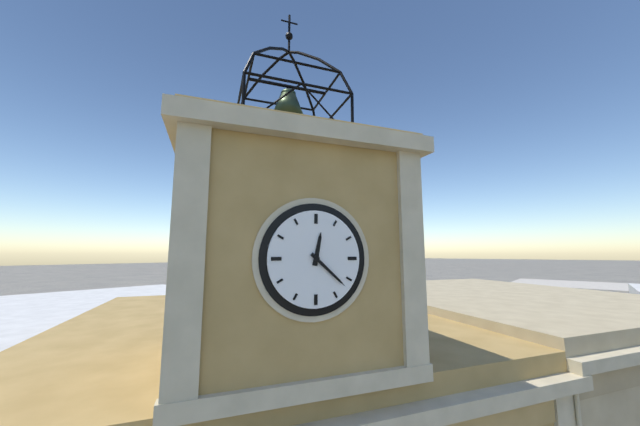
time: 12:22
